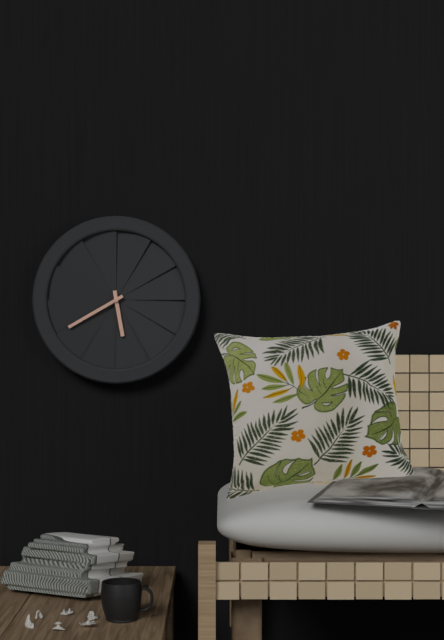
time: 5:40
